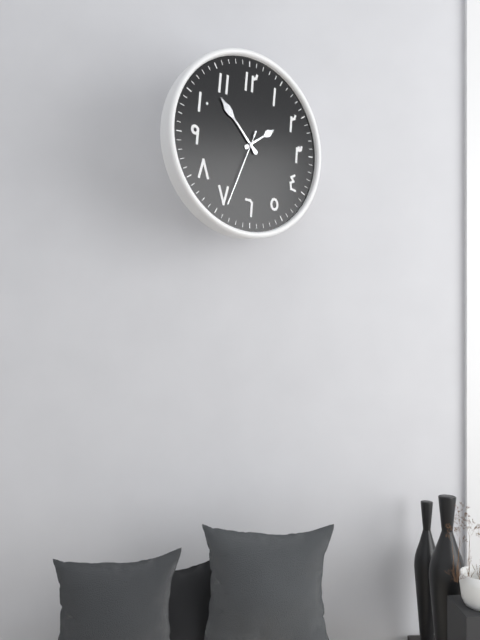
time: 1:53:34
